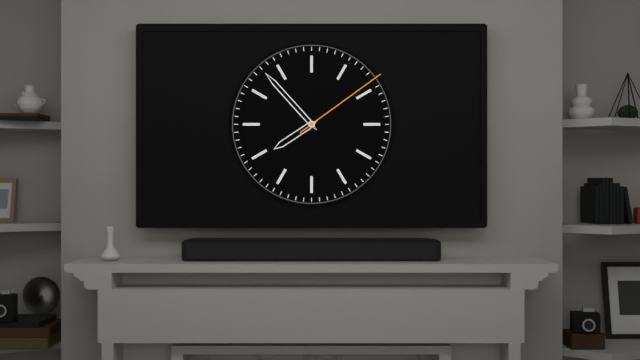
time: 7:53:09
